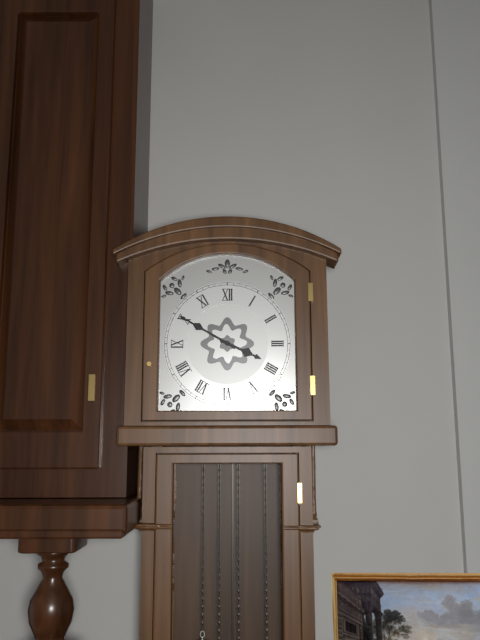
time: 3:50
